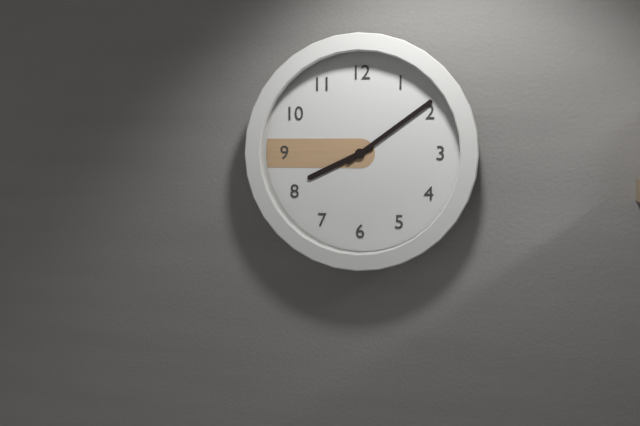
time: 8:09
